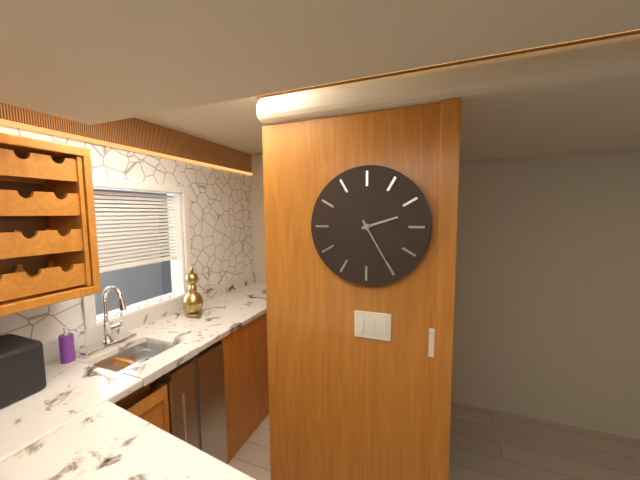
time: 2:25
